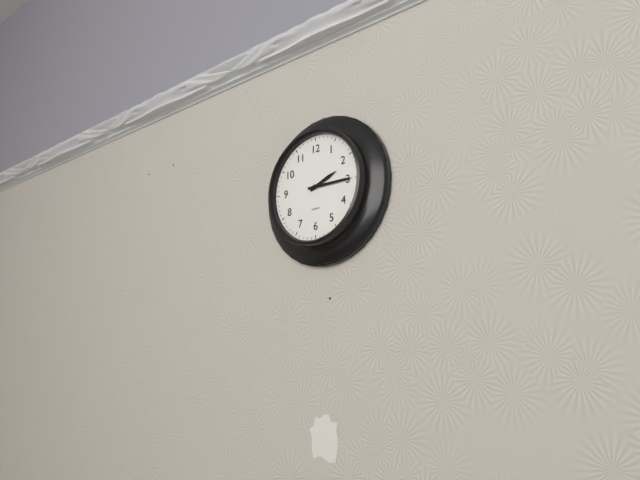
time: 2:15
